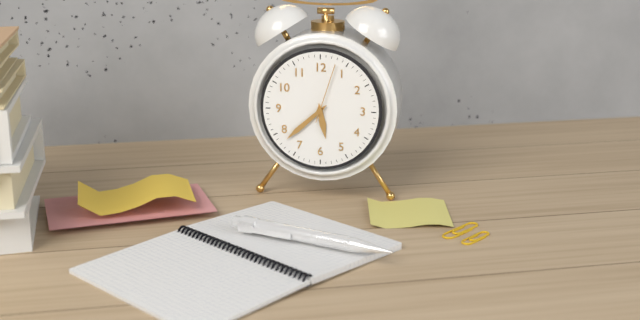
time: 5:38:03
